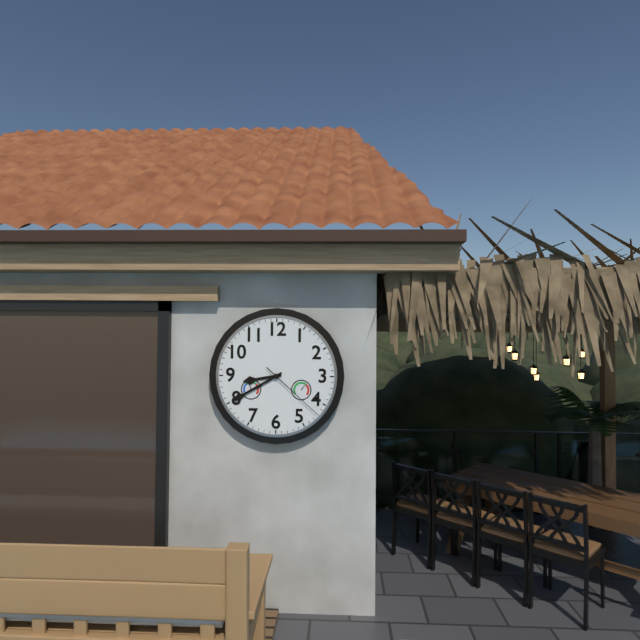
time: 8:40:22
